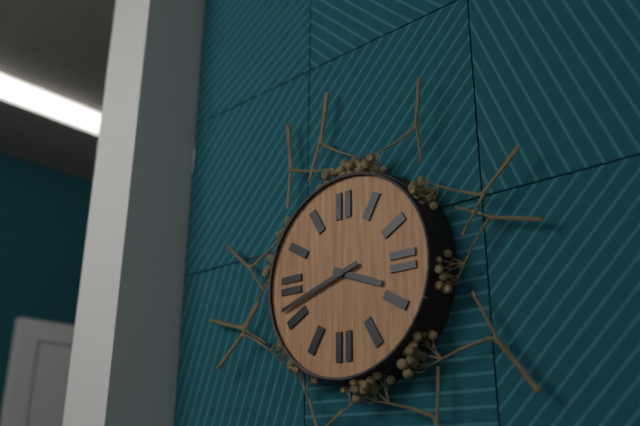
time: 3:42
